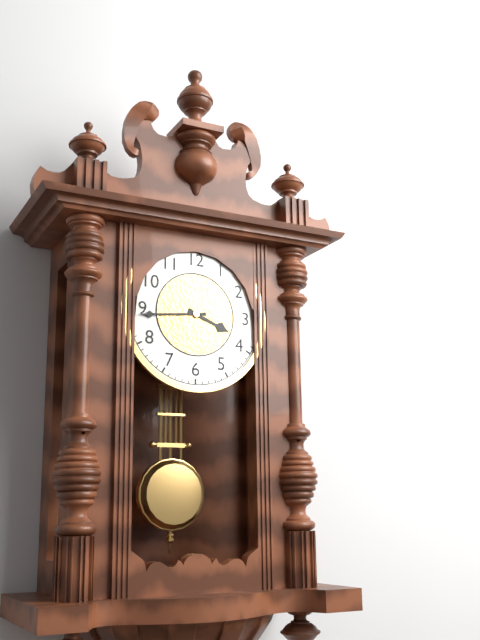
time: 3:44
